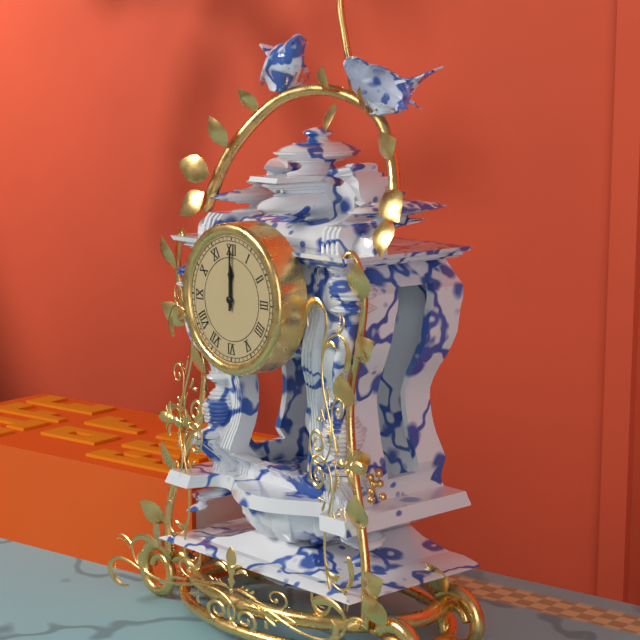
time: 12:00
